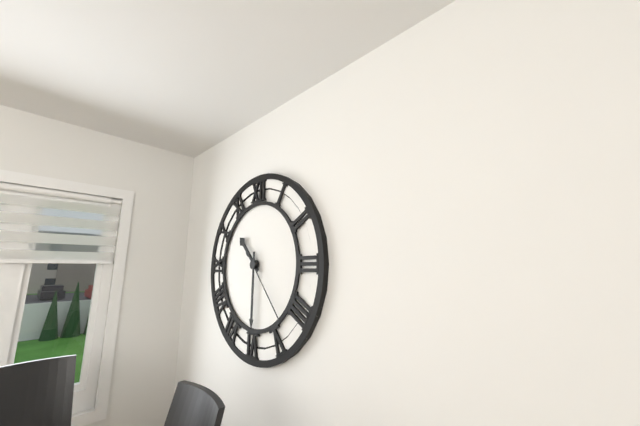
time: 10:30:23
